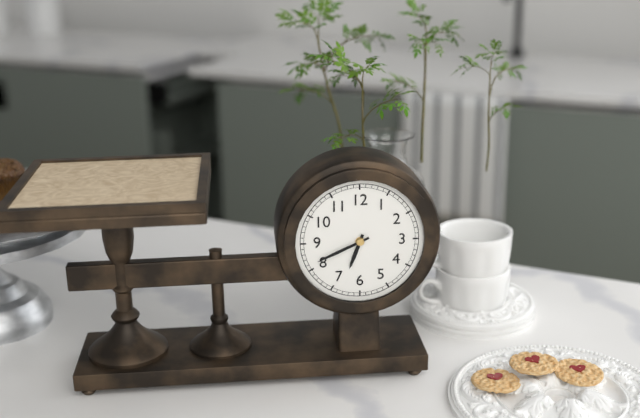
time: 6:41
